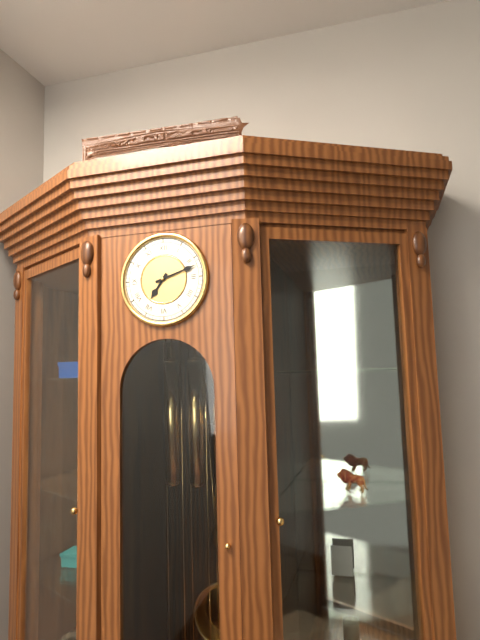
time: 7:12
